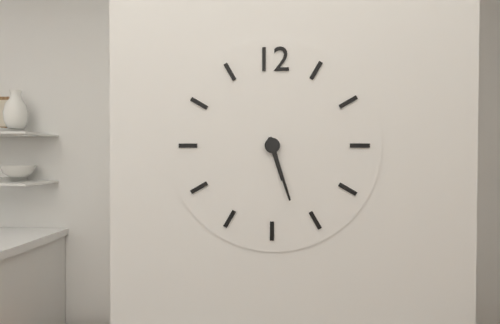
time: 5:27
